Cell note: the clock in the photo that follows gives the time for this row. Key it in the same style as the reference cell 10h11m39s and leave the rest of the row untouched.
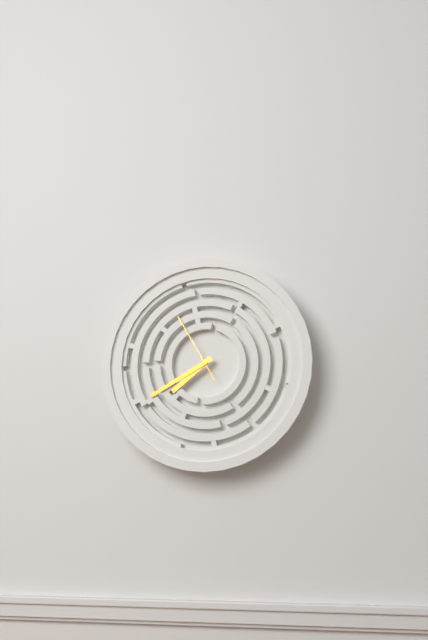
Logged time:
7h40m55s
